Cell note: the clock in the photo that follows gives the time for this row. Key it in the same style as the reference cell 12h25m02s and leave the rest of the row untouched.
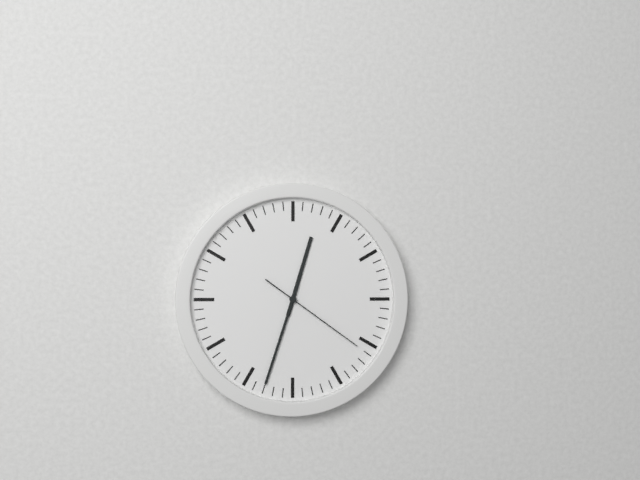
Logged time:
12h33m21s
